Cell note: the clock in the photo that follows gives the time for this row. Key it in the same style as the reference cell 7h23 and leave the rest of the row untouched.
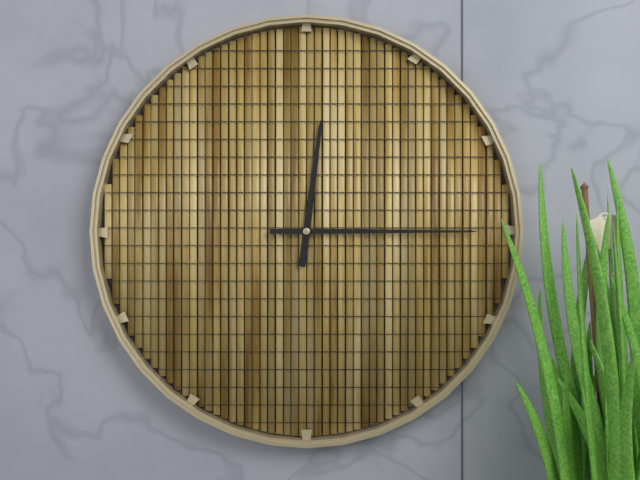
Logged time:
12h15
